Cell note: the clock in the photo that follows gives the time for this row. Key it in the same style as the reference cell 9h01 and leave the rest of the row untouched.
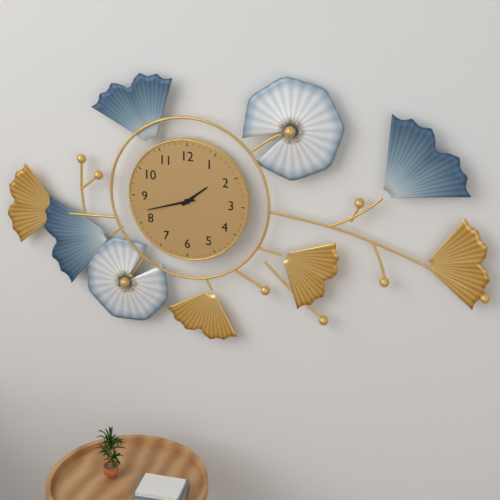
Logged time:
1h42
